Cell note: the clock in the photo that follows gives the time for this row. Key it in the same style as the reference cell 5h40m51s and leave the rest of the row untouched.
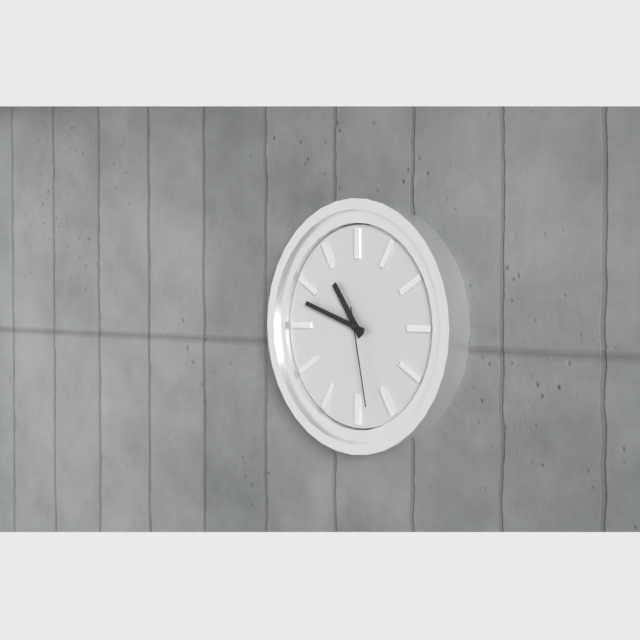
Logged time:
10h48m28s
